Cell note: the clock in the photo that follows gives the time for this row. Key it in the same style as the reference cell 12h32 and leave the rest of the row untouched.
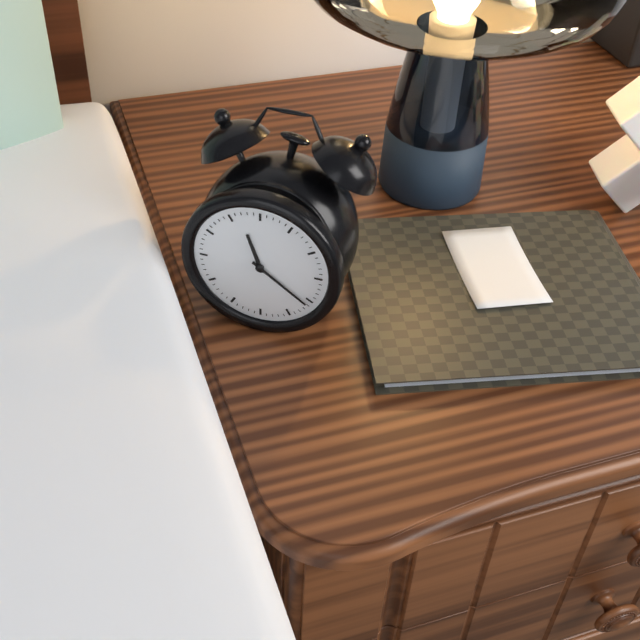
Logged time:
11h21
